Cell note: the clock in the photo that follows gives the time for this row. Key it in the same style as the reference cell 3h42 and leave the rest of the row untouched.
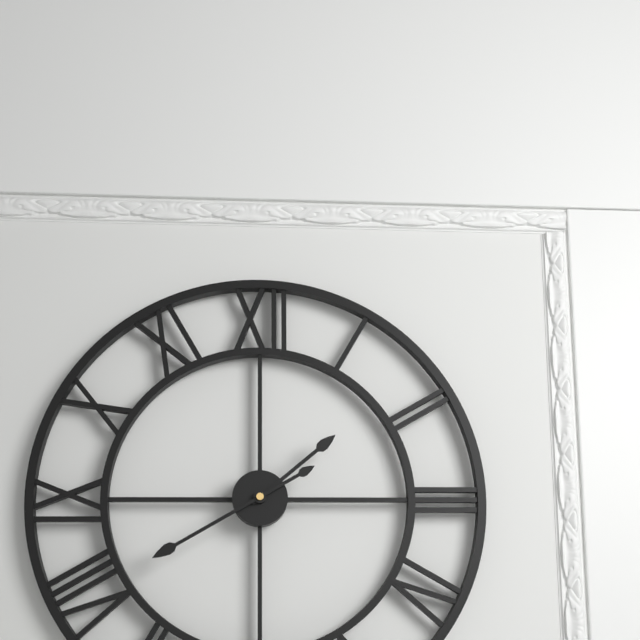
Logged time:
1h40
